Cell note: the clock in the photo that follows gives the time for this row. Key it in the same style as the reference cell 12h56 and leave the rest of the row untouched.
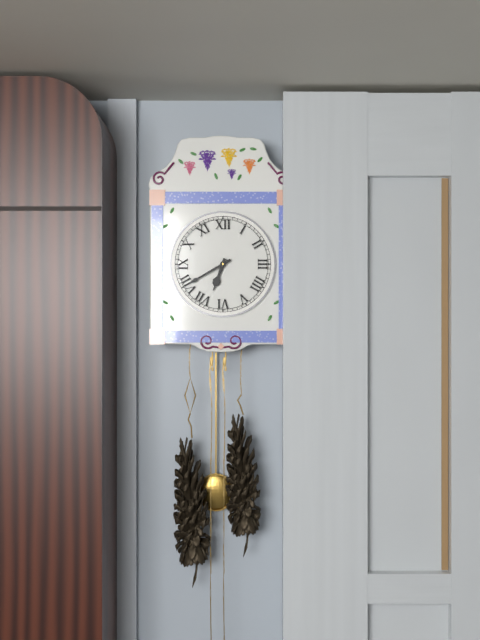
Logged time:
6h40
